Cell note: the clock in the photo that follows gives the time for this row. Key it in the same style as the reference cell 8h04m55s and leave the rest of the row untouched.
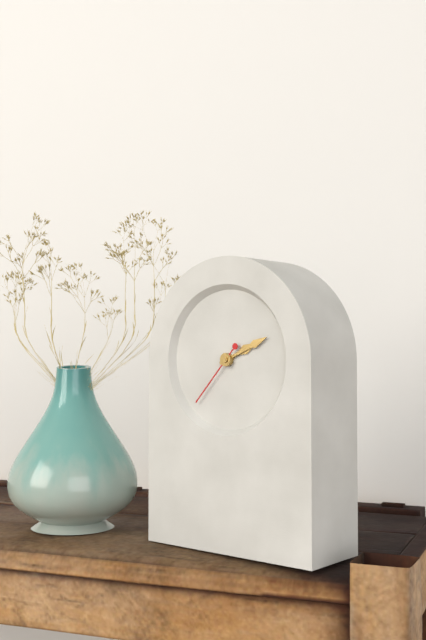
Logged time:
2h11m37s
